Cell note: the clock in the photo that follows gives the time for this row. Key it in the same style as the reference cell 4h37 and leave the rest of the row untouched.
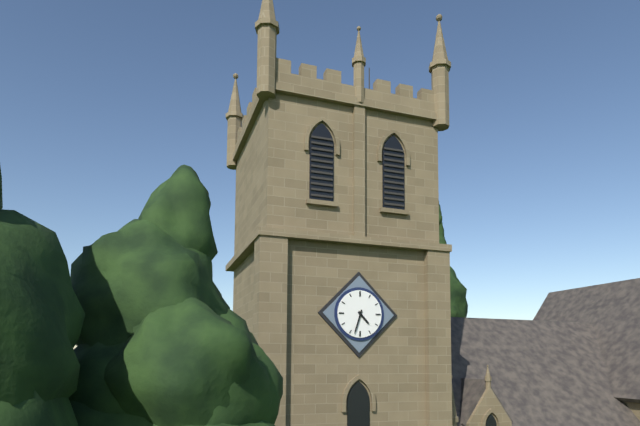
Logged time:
4h33
